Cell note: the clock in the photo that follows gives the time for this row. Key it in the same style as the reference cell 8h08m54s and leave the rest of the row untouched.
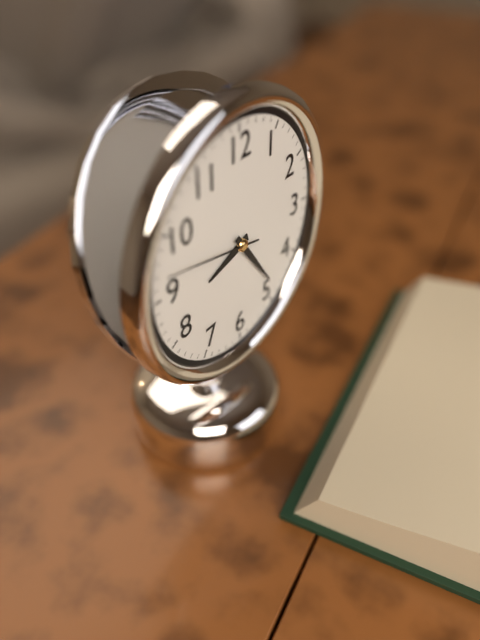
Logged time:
8h24m47s
